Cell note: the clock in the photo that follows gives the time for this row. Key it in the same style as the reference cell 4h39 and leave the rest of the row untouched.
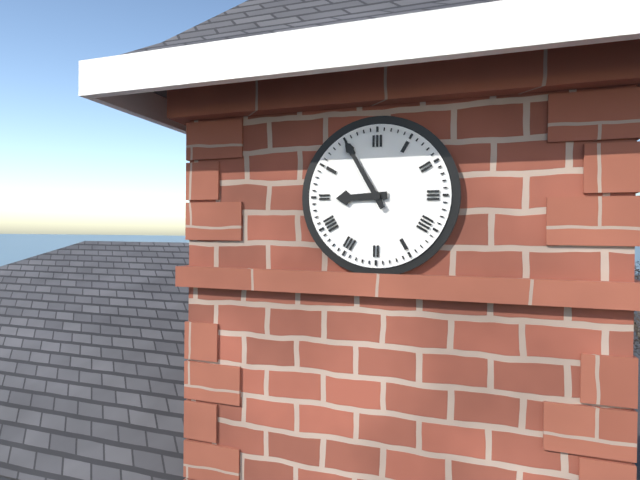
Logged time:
8h55
